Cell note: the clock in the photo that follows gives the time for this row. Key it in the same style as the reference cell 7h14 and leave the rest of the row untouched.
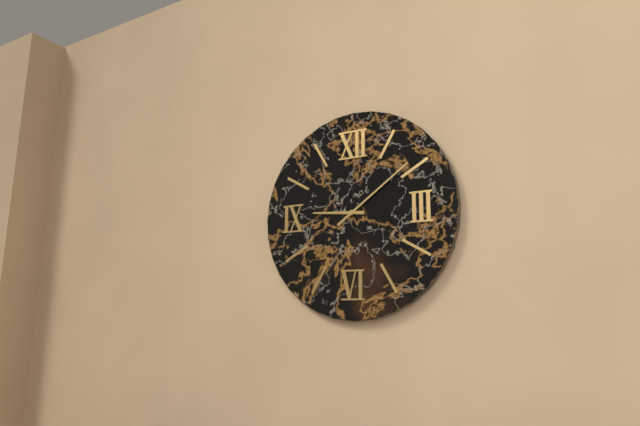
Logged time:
9h09
